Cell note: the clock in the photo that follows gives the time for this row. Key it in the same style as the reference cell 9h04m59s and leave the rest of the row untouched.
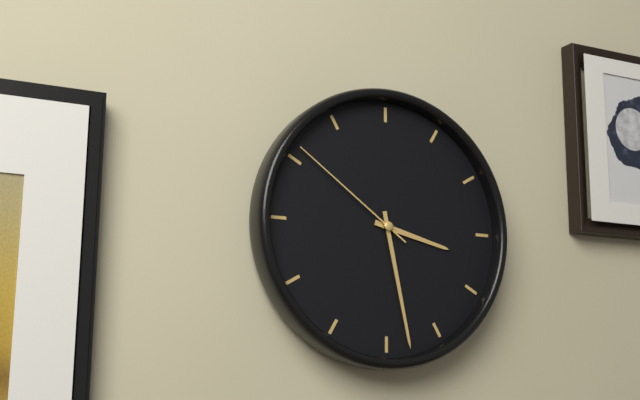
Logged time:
3h28m51s
